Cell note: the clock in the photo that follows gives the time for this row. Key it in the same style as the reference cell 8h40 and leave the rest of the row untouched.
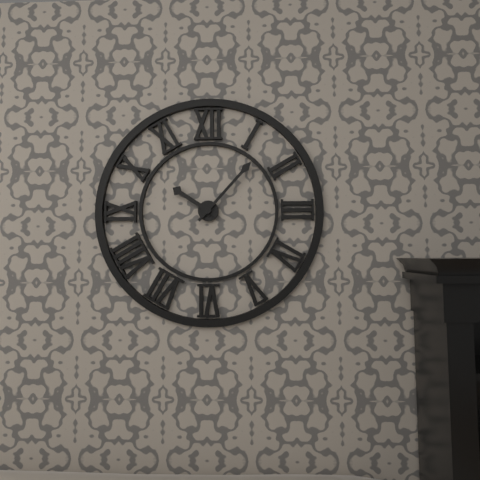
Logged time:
10h07
